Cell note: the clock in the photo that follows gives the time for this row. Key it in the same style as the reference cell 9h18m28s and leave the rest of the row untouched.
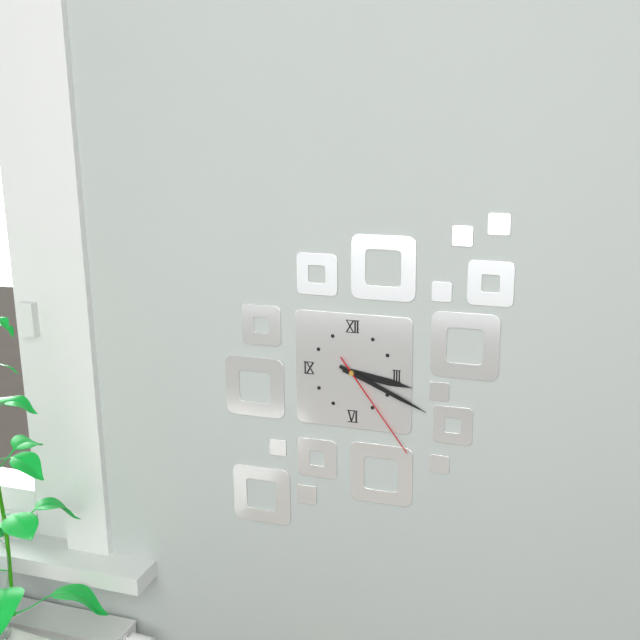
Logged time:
3h19m24s
